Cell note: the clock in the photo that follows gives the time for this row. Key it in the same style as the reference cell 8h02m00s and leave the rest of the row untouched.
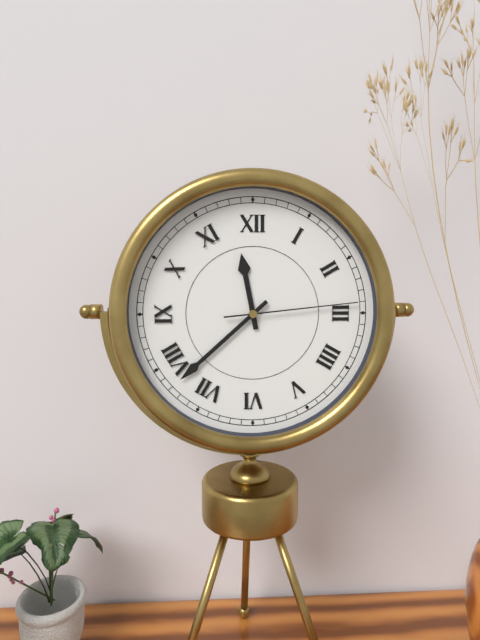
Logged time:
11h38m14s
